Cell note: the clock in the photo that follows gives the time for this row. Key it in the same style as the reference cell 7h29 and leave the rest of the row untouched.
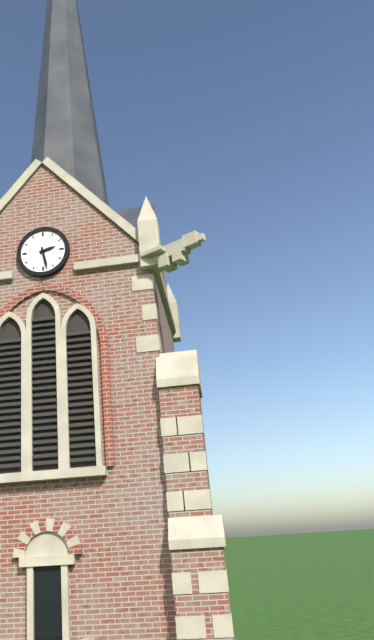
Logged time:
2h28
